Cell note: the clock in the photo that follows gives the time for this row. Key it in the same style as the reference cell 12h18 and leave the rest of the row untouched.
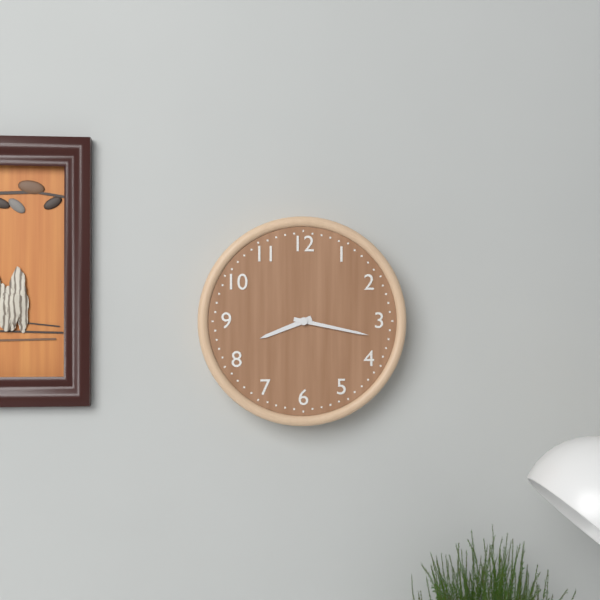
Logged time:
8h17
